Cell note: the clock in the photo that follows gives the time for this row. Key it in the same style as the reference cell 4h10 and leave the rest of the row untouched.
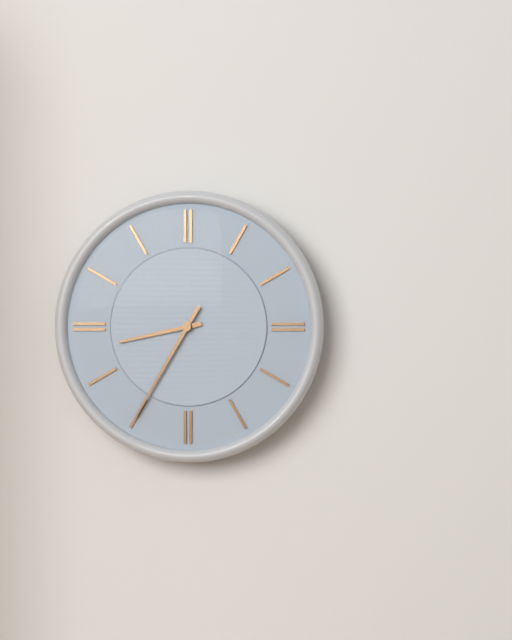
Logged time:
8h35
